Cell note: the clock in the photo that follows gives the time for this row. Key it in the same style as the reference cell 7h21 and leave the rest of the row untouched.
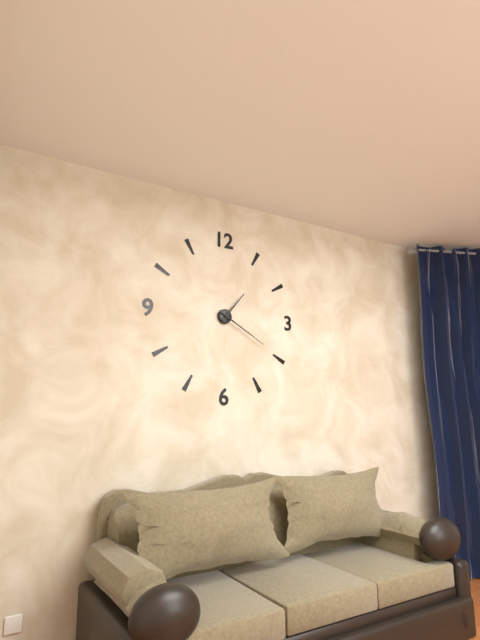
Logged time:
1h20
